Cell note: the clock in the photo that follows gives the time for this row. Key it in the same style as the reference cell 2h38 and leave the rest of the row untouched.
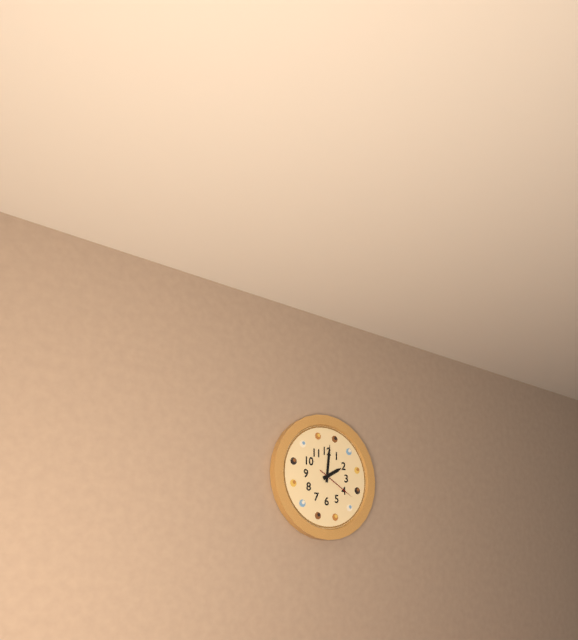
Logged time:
2h01
